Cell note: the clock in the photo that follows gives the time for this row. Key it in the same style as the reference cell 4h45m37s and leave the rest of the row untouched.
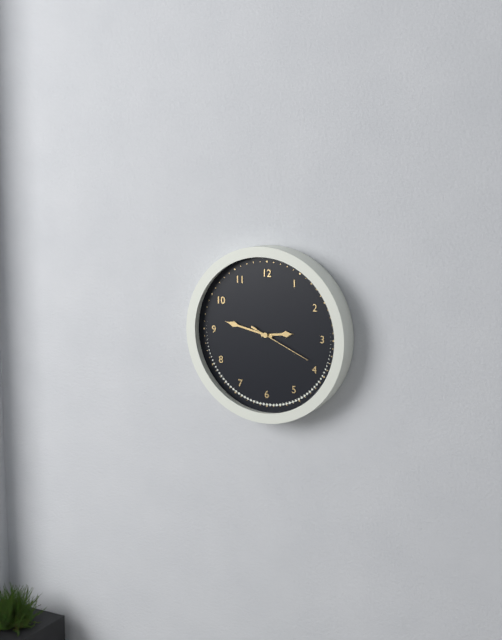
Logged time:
2h47m19s
